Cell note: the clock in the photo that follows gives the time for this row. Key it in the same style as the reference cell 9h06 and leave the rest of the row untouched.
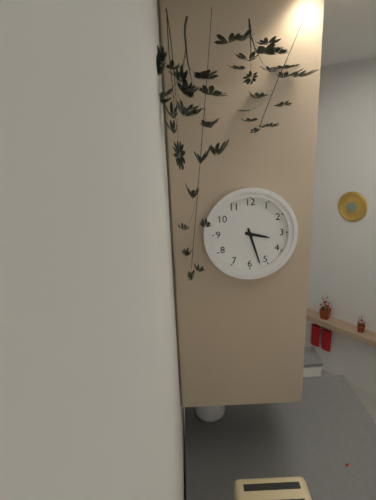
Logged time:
3h27
